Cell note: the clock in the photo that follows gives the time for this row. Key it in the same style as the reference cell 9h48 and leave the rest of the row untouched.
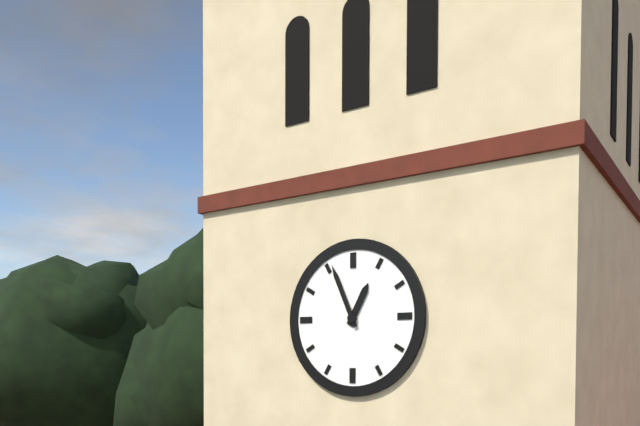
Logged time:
12h56
